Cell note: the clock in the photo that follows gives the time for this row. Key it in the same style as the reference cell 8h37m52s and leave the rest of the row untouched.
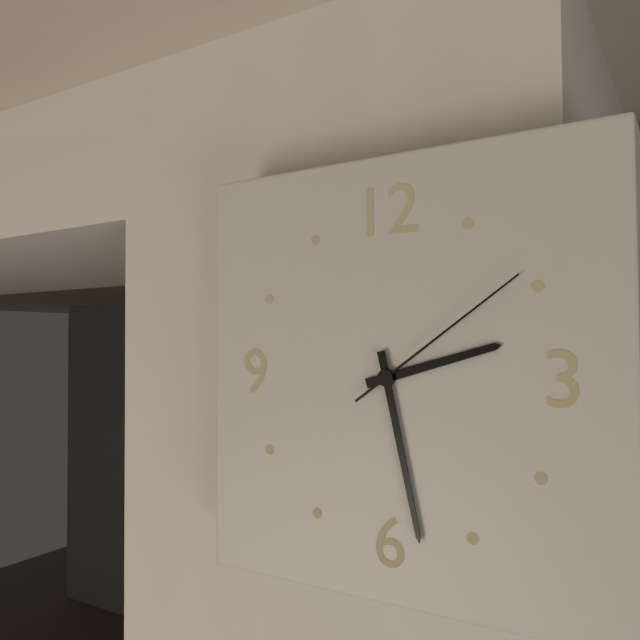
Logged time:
2h28m09s
